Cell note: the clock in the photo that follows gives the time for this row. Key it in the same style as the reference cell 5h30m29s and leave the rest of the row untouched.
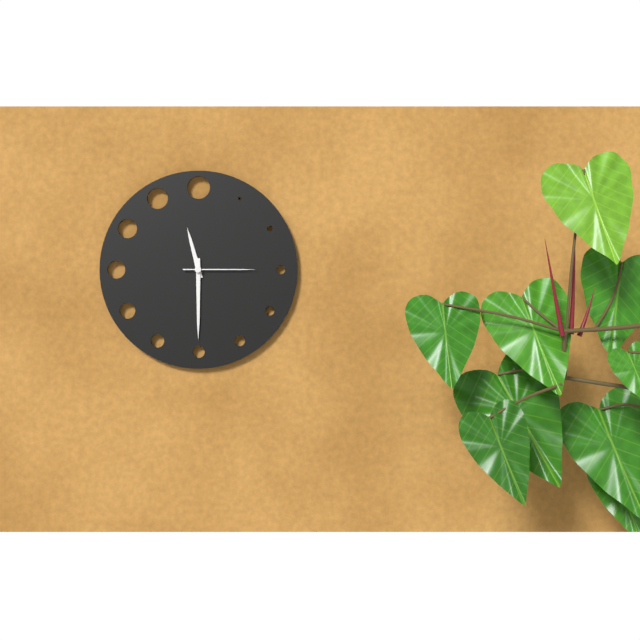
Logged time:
11h30m15s
